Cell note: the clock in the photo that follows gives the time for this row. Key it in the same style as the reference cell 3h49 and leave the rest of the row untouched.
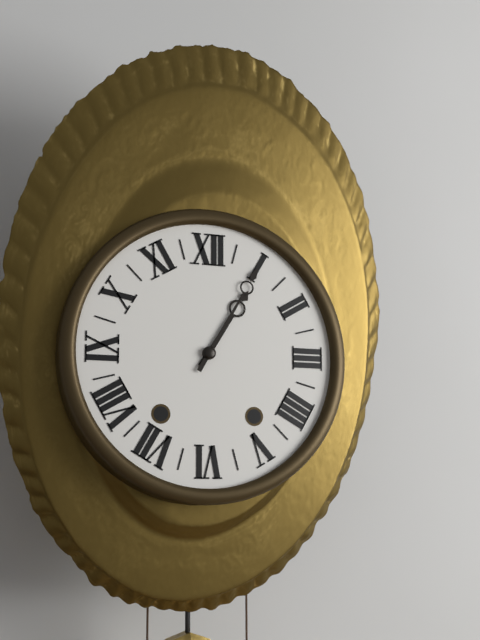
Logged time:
1h05
